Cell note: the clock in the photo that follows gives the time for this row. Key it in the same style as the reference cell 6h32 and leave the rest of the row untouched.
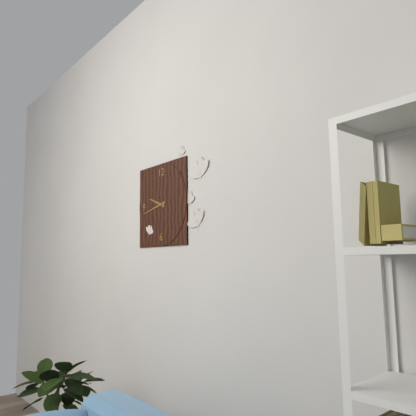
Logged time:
9h43
